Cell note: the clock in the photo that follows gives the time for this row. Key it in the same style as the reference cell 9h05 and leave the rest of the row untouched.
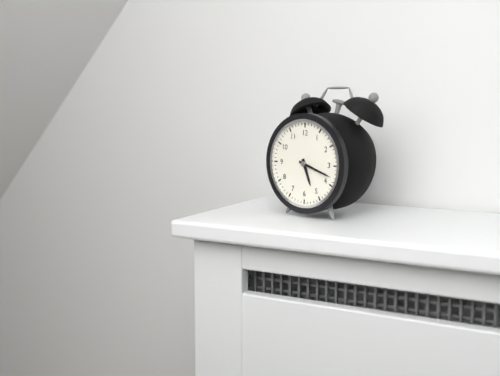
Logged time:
5h18
